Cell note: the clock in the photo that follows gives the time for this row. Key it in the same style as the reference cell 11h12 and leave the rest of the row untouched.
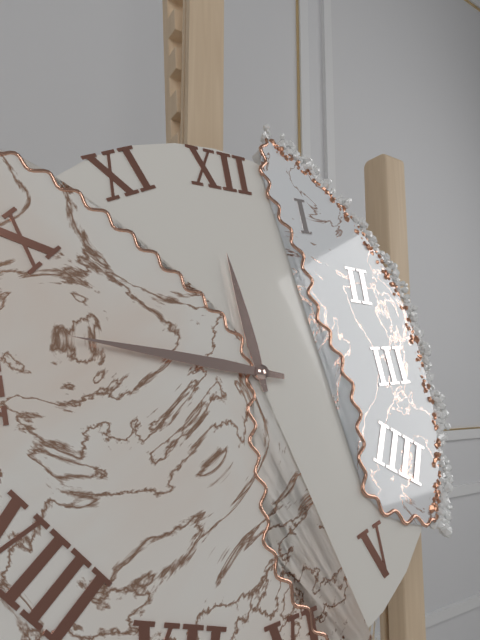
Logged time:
11h47
